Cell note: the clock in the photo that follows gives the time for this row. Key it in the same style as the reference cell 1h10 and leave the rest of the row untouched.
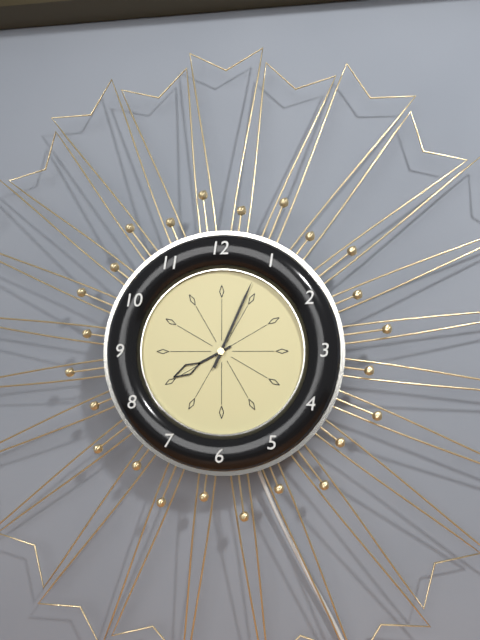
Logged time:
8h04
